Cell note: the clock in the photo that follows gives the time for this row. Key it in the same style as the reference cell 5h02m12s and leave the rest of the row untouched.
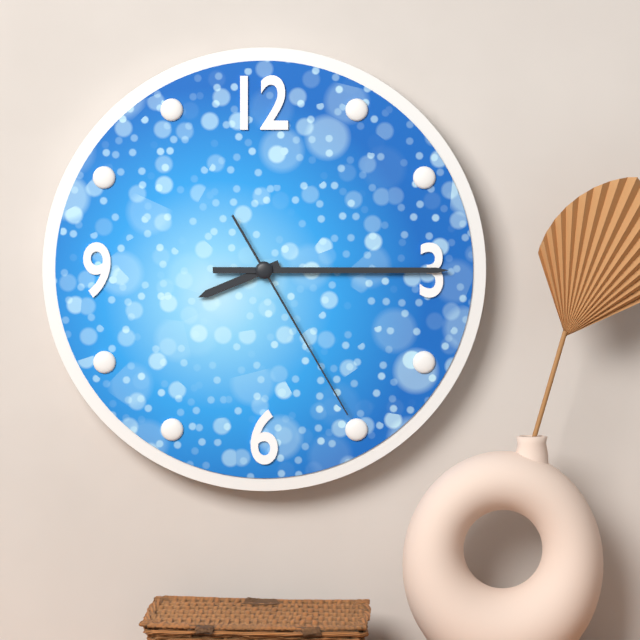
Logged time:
8h15m25s
